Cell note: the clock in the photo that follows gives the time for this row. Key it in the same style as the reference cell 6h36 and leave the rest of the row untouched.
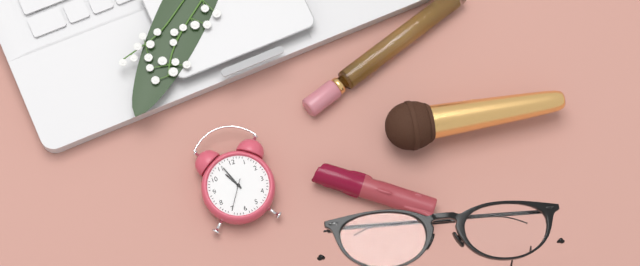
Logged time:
10h56
